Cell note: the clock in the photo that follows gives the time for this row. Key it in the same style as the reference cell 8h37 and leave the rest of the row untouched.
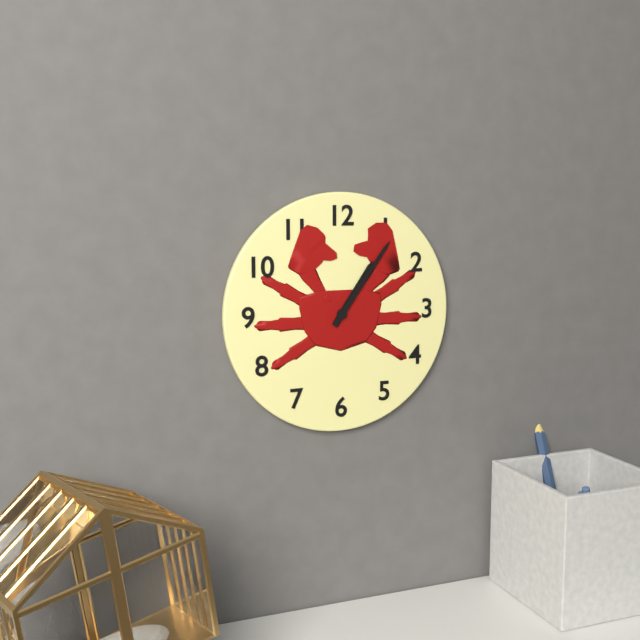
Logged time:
1h06
